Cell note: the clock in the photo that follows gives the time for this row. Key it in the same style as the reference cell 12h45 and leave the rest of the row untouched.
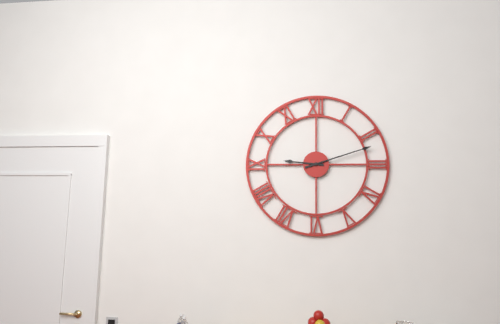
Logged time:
9h12
